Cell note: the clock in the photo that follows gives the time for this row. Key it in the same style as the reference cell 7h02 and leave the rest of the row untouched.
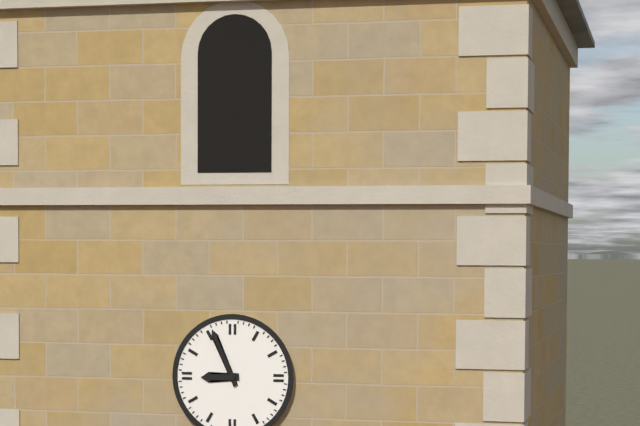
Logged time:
8h56
